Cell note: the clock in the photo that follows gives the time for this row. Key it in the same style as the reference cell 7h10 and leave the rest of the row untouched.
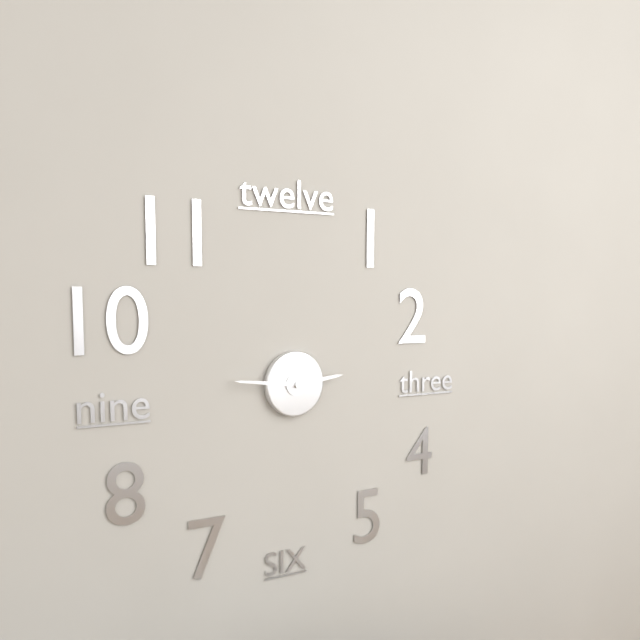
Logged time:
2h46
